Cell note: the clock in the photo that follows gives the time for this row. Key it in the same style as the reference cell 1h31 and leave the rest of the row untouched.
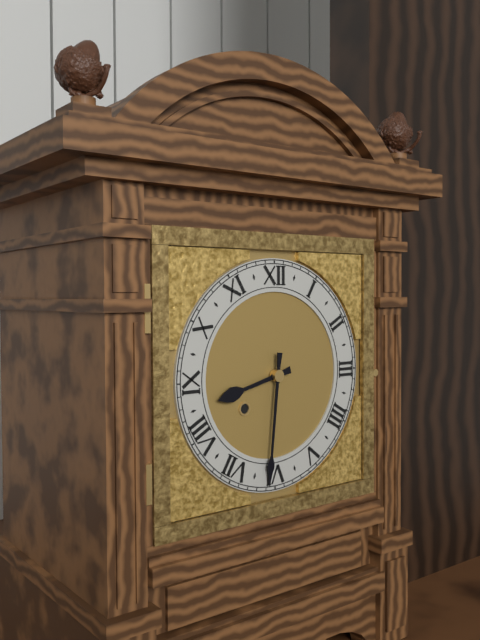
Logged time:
8h31
